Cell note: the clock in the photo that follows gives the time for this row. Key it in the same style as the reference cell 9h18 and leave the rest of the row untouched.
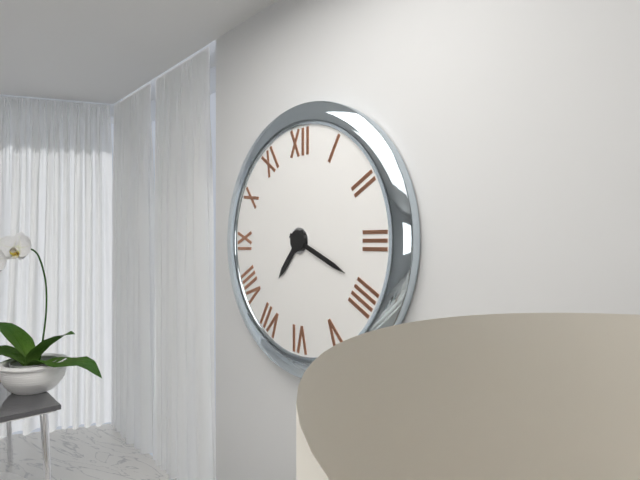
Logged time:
7h19
